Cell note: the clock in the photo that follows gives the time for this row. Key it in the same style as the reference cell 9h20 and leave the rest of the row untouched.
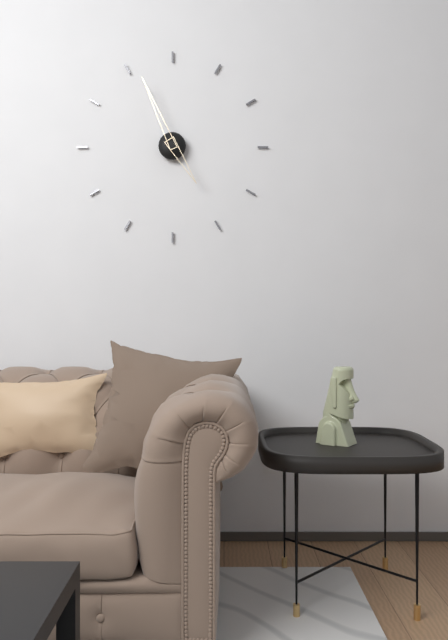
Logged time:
4h56
